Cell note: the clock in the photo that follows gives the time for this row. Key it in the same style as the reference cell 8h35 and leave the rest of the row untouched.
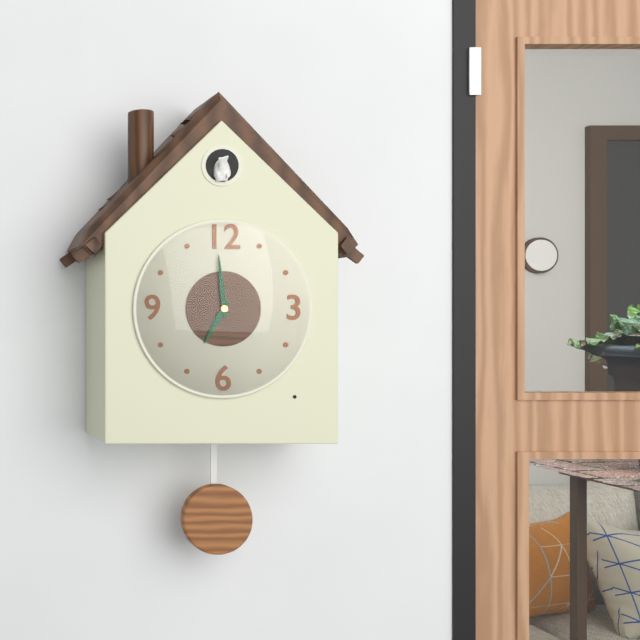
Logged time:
6h59
